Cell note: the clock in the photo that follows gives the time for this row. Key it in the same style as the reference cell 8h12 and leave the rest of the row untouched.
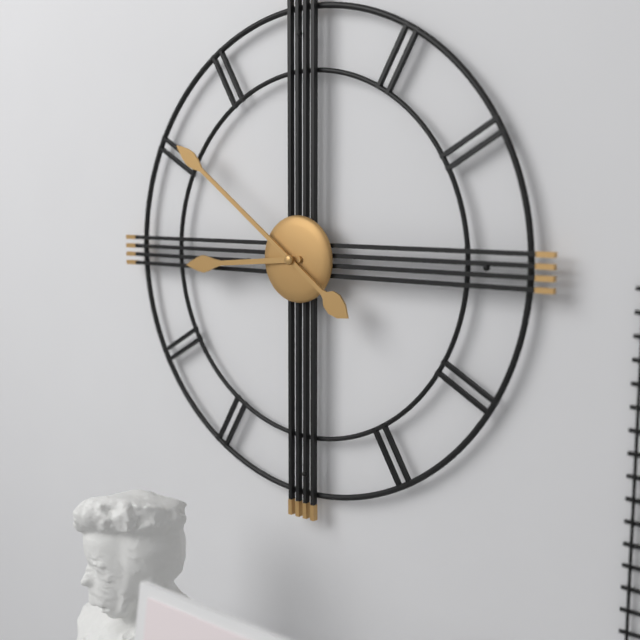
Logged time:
8h51
